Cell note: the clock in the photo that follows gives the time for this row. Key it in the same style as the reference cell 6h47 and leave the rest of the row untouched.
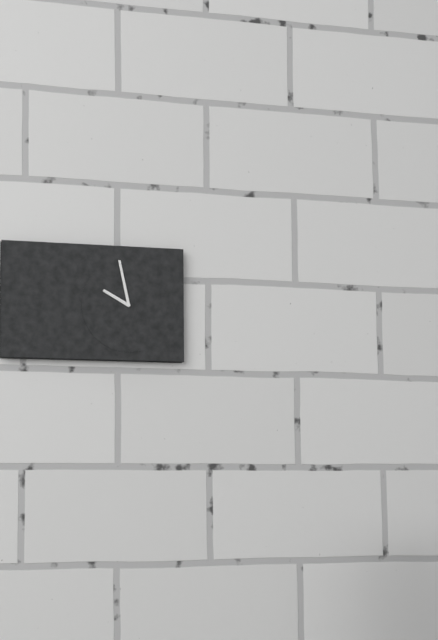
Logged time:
9h58
